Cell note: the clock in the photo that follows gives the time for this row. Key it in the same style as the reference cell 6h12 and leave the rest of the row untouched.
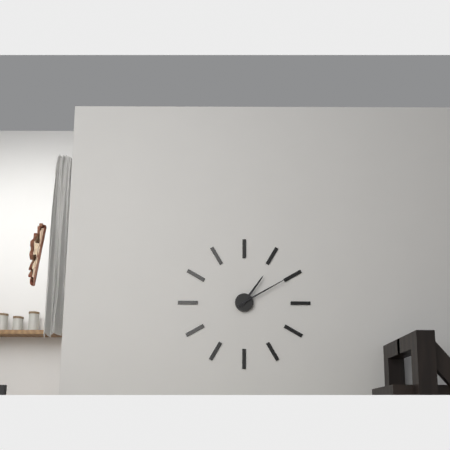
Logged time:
1h10
